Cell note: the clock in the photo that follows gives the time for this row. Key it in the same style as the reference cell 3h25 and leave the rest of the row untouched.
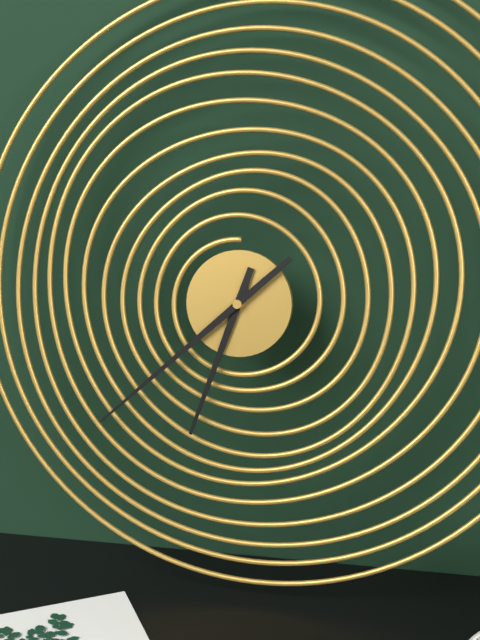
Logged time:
6h38
